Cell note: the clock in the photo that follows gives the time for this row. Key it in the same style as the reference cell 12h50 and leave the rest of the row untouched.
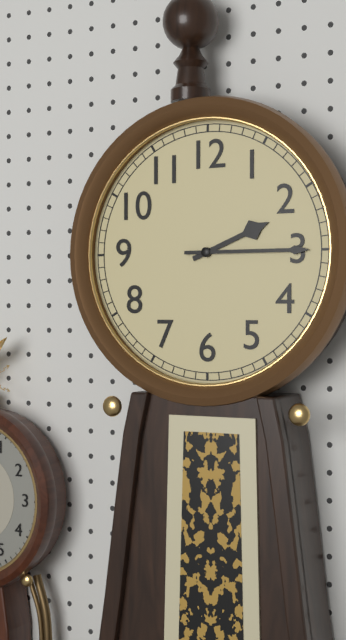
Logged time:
2h15
